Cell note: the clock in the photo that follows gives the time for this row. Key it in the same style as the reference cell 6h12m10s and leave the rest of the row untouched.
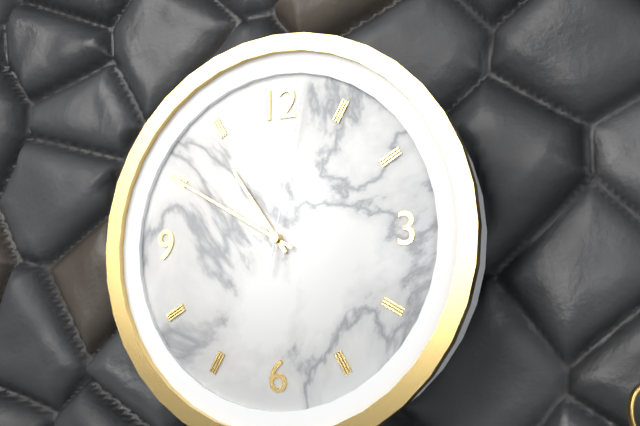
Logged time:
10h50m02s
